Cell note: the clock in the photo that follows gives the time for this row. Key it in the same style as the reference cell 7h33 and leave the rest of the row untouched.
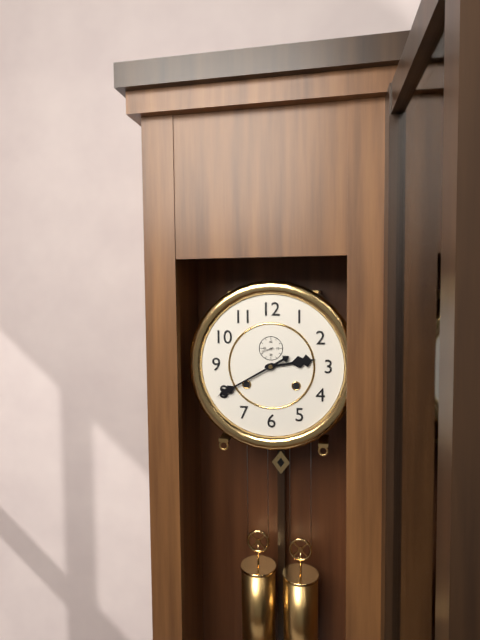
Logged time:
2h40
